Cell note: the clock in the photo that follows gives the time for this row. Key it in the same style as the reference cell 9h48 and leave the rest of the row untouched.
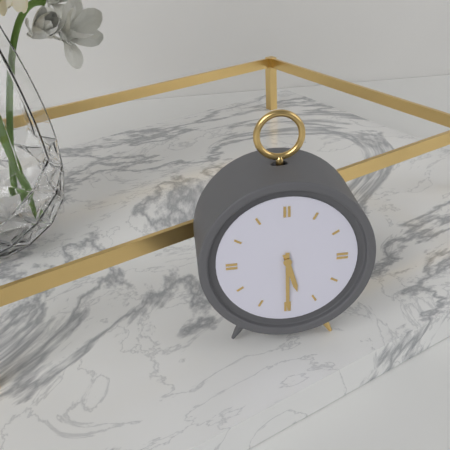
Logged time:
5h30
